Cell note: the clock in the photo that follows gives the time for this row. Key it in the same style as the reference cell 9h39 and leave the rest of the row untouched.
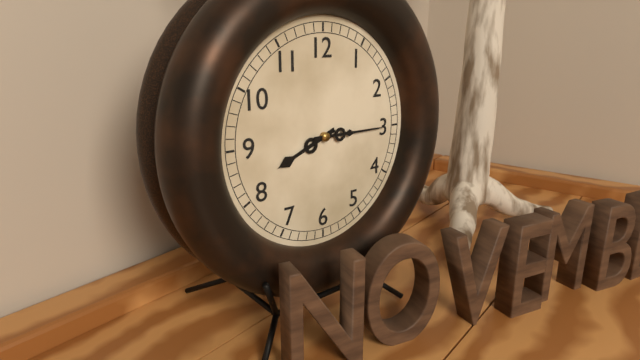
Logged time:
8h15
